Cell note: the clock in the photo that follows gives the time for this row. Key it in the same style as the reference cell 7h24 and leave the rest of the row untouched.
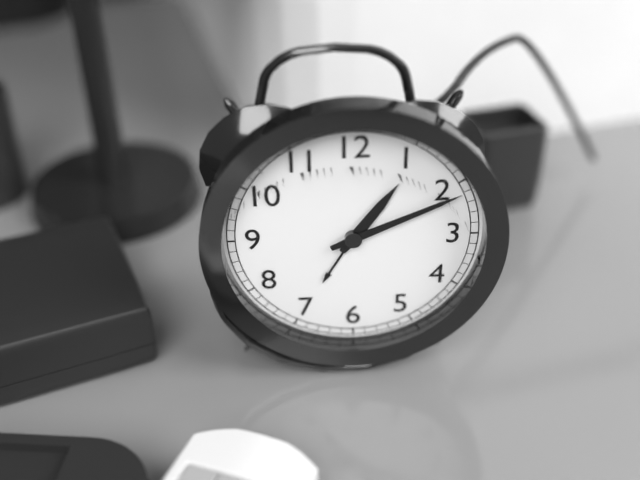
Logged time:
1h11
